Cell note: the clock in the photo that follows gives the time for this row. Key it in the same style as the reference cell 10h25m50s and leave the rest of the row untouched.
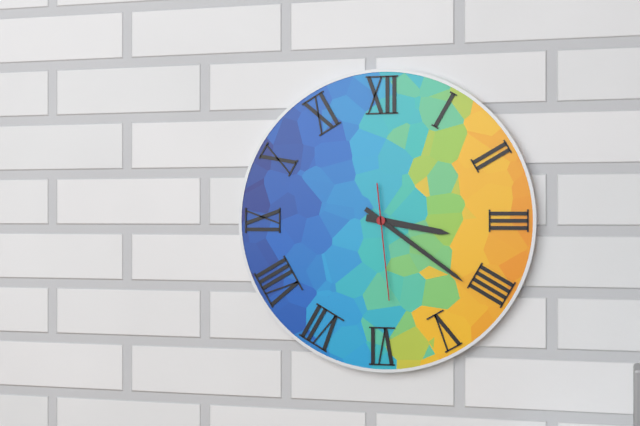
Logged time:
3h21m29s
